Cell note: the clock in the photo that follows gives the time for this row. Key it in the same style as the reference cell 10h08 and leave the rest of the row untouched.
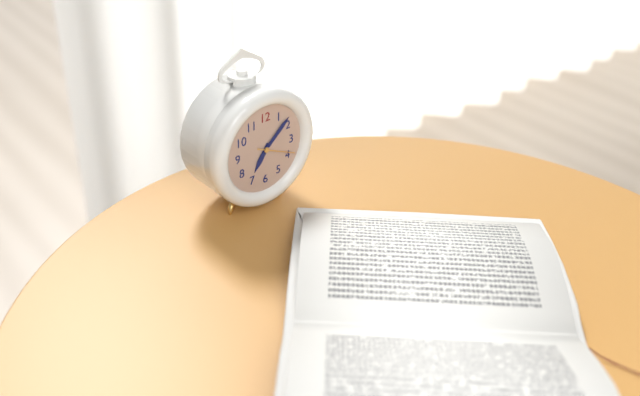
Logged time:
7h08
